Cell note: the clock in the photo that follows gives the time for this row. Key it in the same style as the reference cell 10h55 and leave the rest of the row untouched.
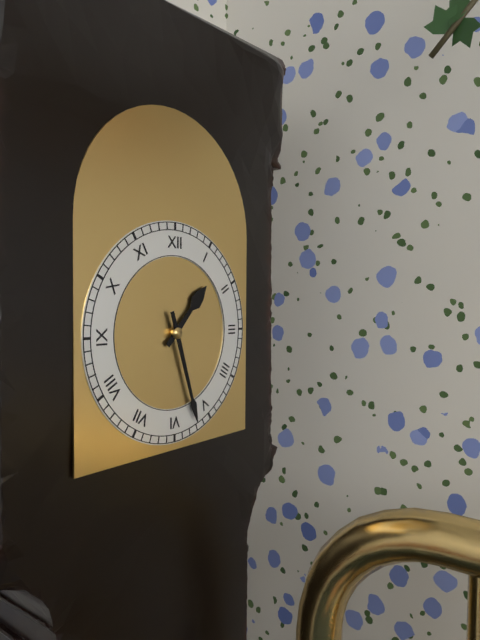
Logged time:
1h27
